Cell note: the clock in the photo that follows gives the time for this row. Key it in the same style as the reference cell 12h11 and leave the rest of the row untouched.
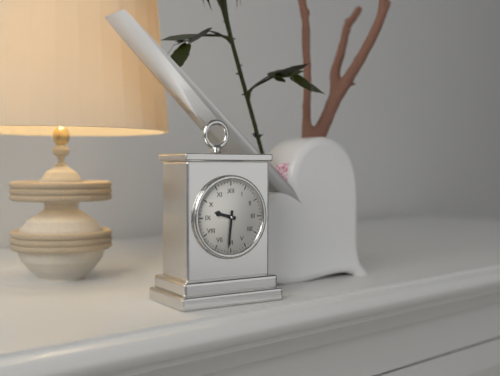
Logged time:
9h31
